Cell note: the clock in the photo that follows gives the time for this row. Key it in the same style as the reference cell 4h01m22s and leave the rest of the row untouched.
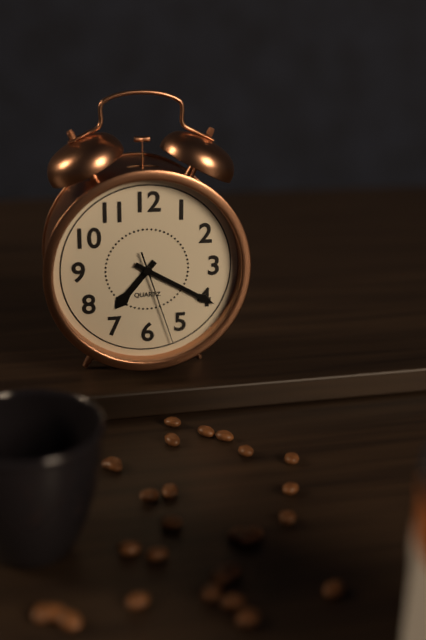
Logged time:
7h20m27s
